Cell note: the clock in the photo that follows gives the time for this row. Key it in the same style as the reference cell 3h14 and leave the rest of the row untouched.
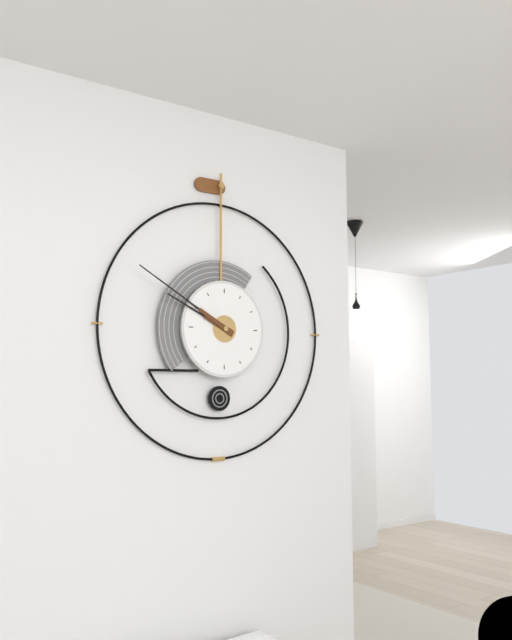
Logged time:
9h50
